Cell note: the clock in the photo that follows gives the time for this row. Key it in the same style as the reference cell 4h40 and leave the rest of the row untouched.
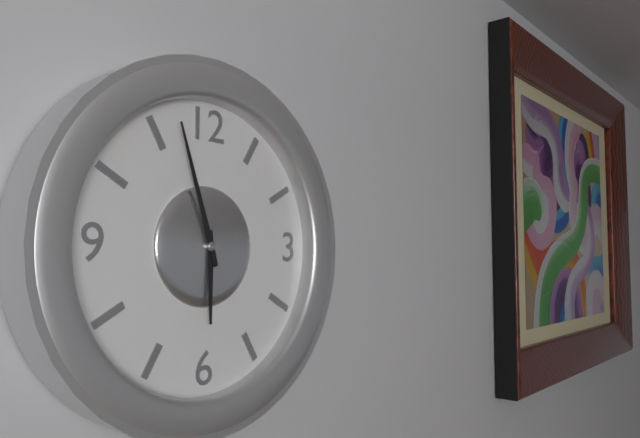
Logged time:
5h57
